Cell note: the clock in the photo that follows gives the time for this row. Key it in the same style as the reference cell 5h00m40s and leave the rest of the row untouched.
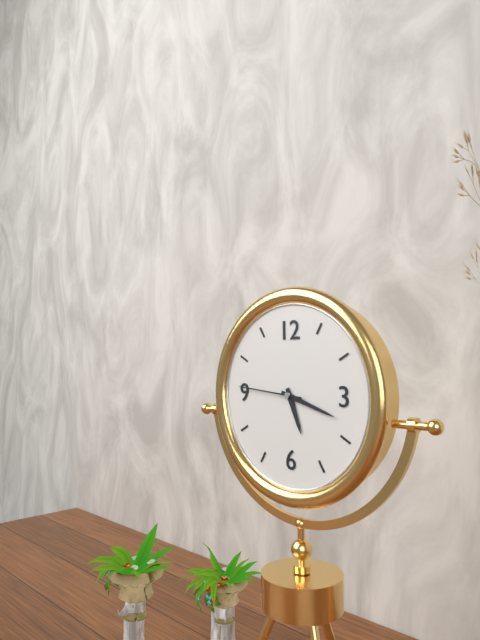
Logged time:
5h18m46s
